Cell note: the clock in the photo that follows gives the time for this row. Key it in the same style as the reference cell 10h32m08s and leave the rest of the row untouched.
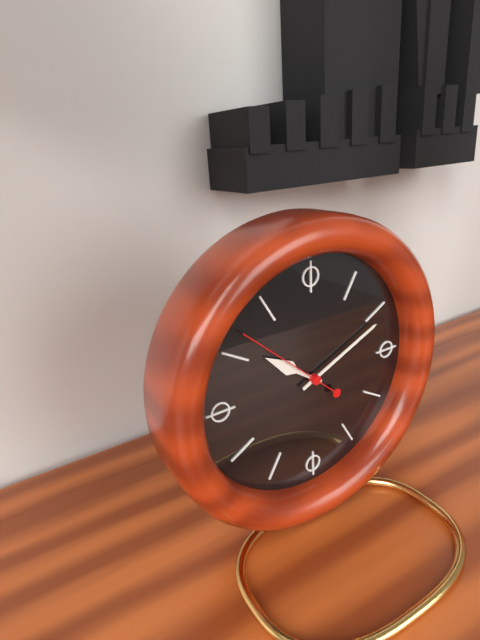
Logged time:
10h11m52s
